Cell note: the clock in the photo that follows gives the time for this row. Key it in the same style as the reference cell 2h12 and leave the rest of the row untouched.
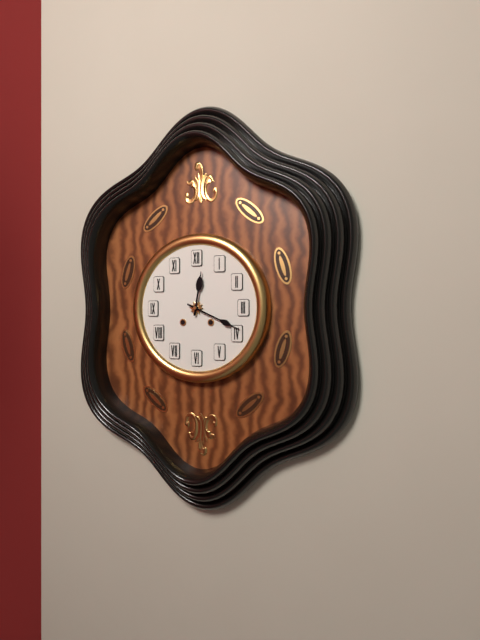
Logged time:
12h19
